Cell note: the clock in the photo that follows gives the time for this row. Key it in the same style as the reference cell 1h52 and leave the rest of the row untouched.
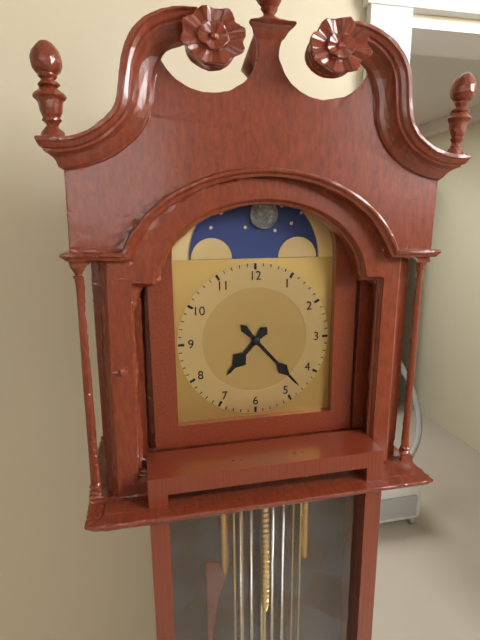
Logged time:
7h23
